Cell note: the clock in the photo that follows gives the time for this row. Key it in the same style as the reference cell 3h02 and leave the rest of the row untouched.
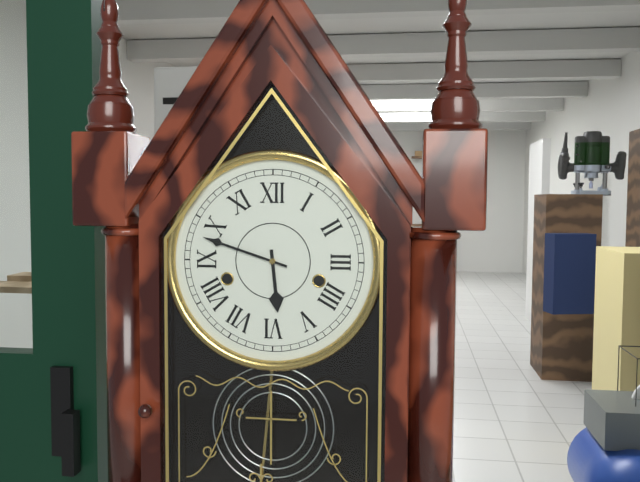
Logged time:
5h48
